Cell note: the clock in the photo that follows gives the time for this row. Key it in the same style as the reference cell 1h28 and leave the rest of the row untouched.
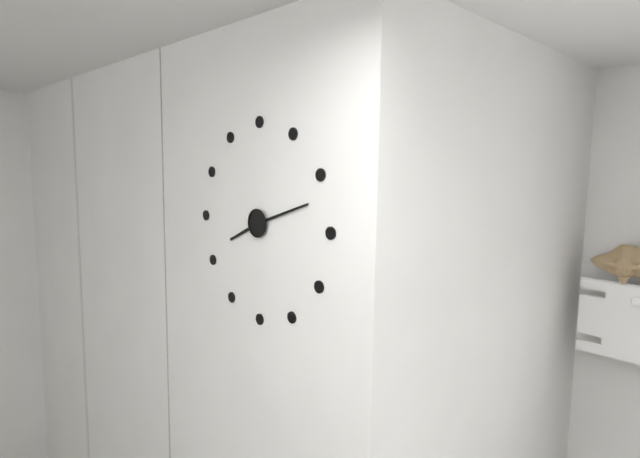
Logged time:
8h12
